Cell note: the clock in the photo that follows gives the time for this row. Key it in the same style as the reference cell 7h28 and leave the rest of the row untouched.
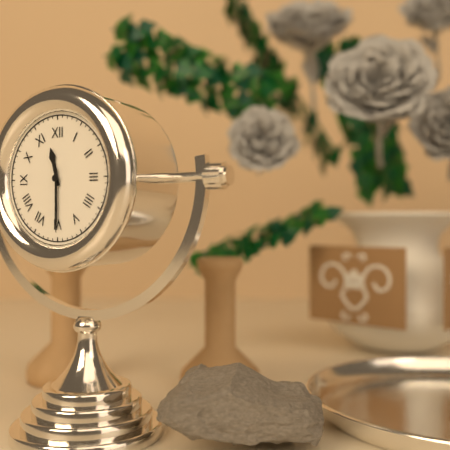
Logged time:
11h30
